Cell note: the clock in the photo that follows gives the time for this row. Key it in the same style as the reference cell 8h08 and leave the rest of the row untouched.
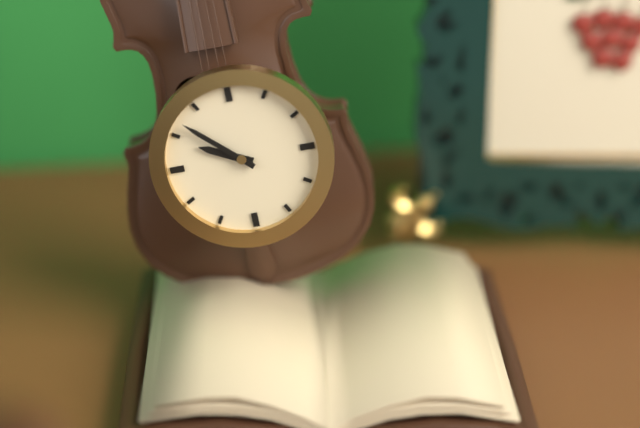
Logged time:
9h52
